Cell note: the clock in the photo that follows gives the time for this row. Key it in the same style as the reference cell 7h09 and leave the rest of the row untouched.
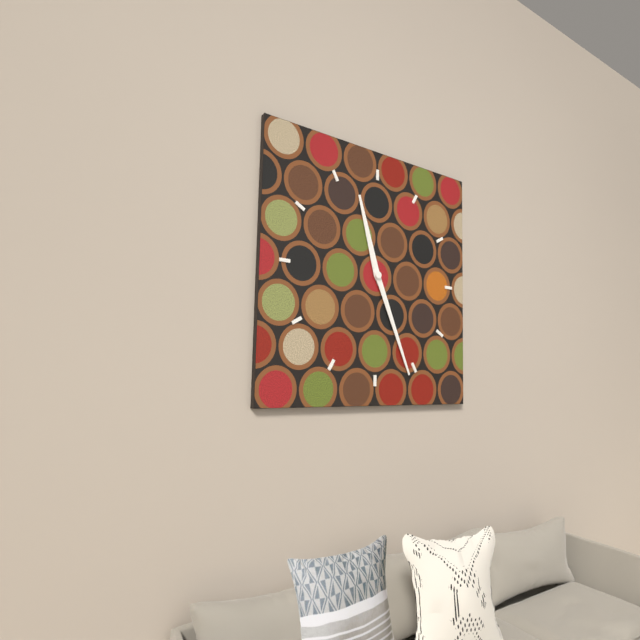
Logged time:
11h26
